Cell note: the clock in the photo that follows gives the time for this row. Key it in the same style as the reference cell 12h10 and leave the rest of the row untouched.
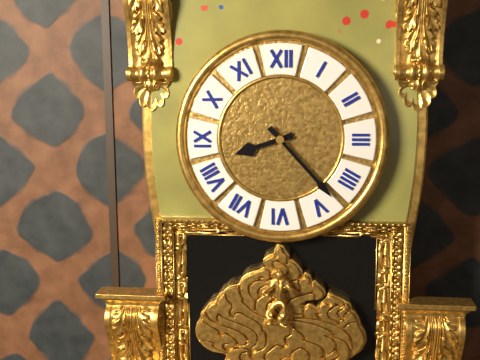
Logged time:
8h23
